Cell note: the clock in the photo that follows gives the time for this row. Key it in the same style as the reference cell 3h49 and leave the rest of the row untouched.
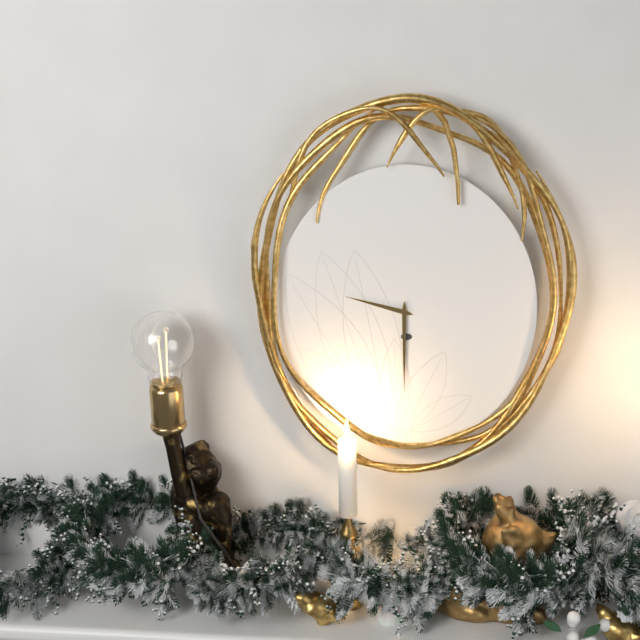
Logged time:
9h30
